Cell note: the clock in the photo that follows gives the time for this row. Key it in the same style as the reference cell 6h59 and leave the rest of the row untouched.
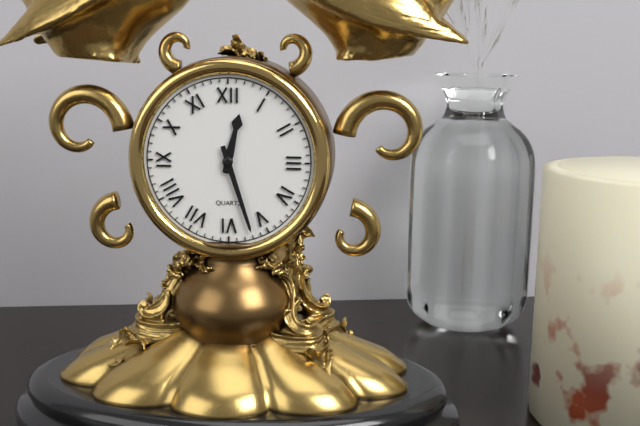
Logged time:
12h27
